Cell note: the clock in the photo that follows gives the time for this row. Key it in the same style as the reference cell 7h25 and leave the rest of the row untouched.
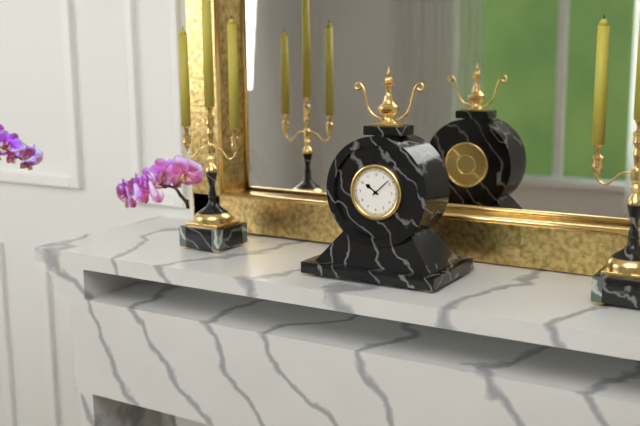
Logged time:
10h08
